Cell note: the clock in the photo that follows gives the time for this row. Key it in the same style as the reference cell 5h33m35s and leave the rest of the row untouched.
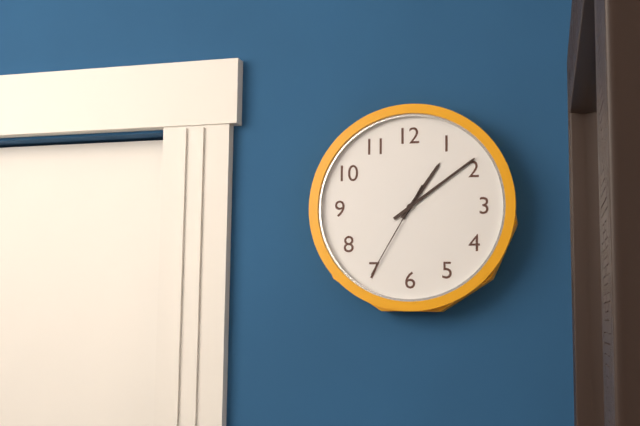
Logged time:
1h09m35s
